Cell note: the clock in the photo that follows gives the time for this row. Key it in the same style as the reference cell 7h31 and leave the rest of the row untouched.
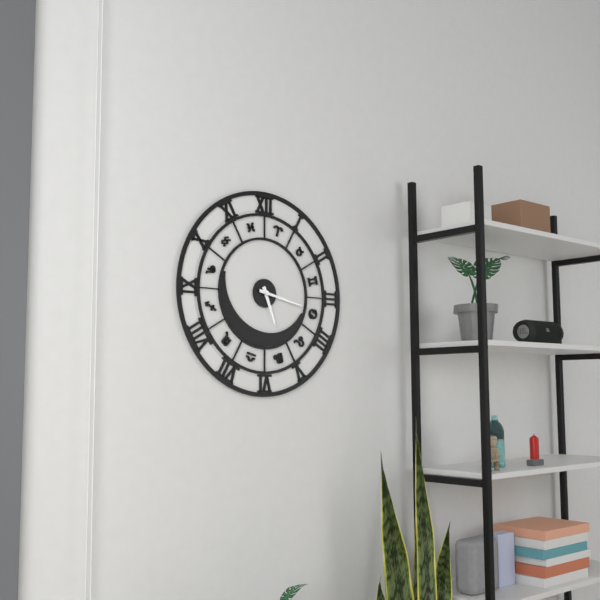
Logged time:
5h17
